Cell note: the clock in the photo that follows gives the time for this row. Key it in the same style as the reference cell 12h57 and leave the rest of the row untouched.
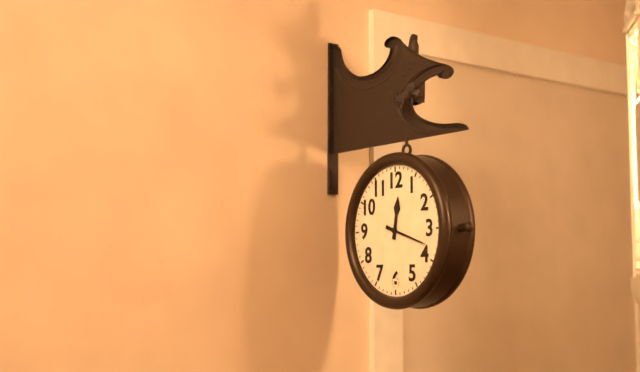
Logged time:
12h18
